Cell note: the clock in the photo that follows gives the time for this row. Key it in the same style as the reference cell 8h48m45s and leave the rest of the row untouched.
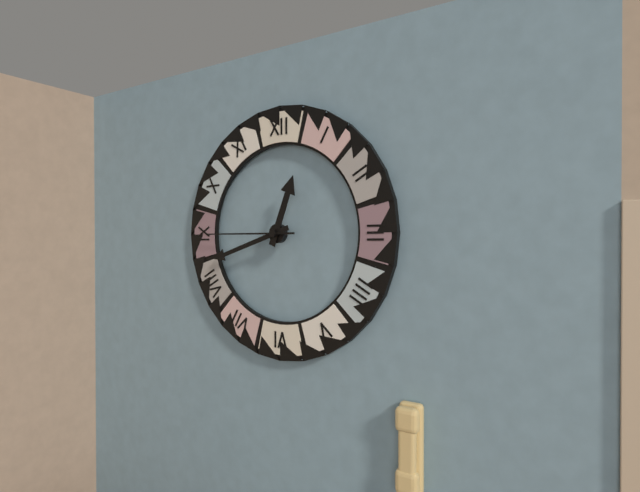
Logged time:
12h42m45s
